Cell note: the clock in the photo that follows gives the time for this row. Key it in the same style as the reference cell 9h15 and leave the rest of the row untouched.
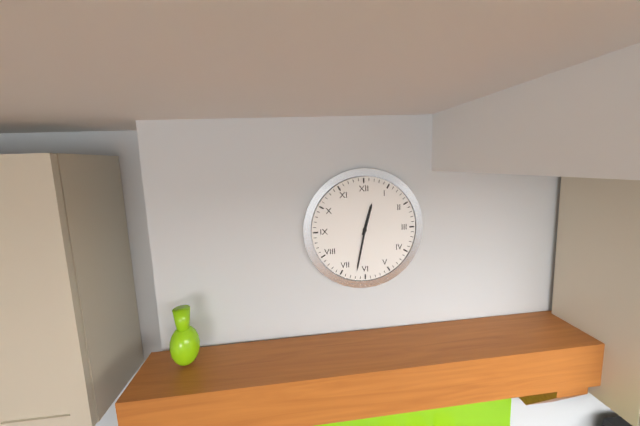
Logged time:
12h32
